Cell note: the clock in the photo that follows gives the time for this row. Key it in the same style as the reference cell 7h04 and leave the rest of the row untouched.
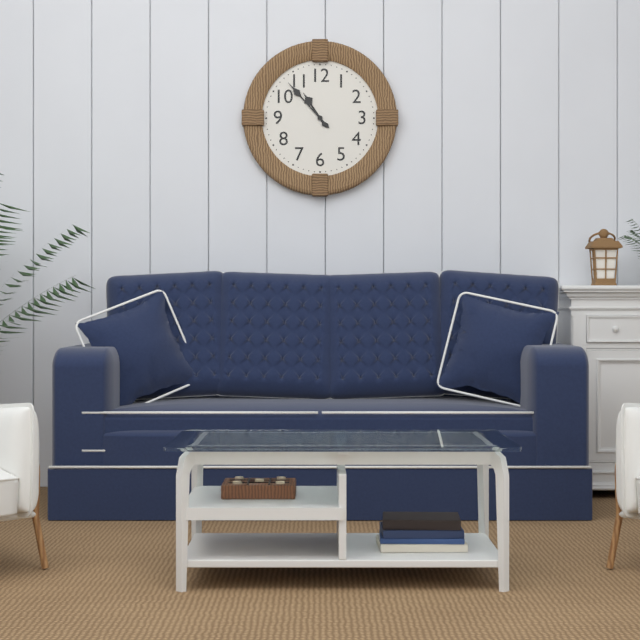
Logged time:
10h53
